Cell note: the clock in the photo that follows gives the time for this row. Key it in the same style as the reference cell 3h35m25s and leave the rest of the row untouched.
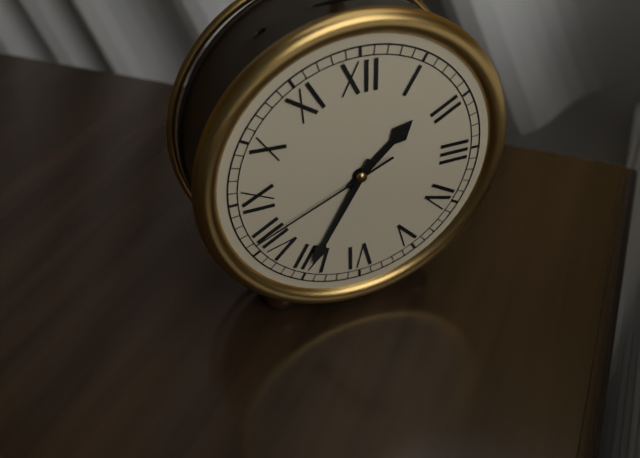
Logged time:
1h35m41s
